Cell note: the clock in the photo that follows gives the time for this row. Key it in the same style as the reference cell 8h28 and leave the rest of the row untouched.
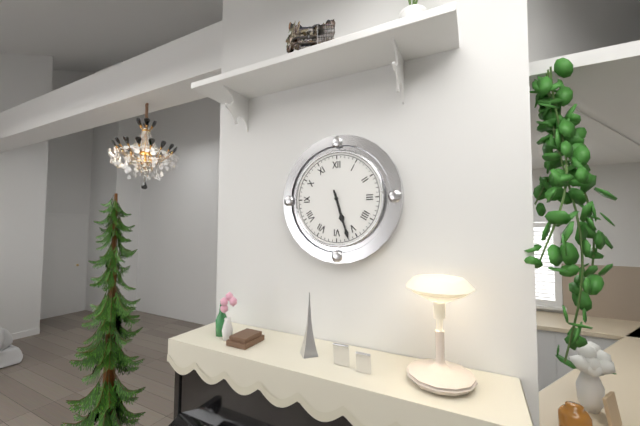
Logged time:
5h27
